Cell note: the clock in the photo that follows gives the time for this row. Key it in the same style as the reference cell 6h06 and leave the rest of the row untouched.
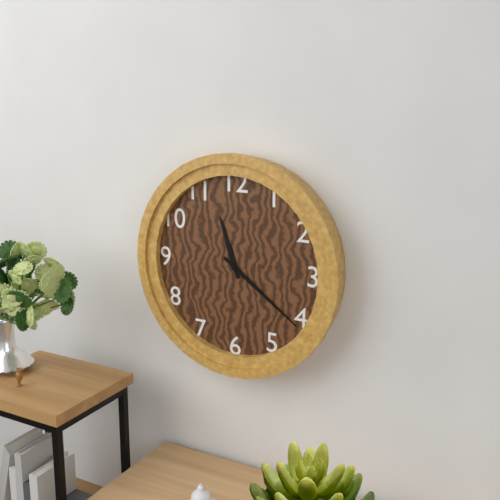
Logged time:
11h21
